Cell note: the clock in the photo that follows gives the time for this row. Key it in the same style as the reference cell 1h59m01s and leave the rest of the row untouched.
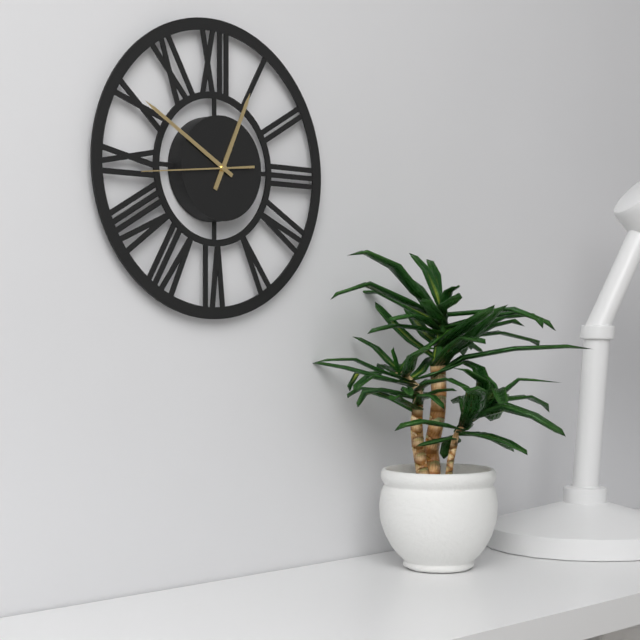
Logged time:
12h50m44s
